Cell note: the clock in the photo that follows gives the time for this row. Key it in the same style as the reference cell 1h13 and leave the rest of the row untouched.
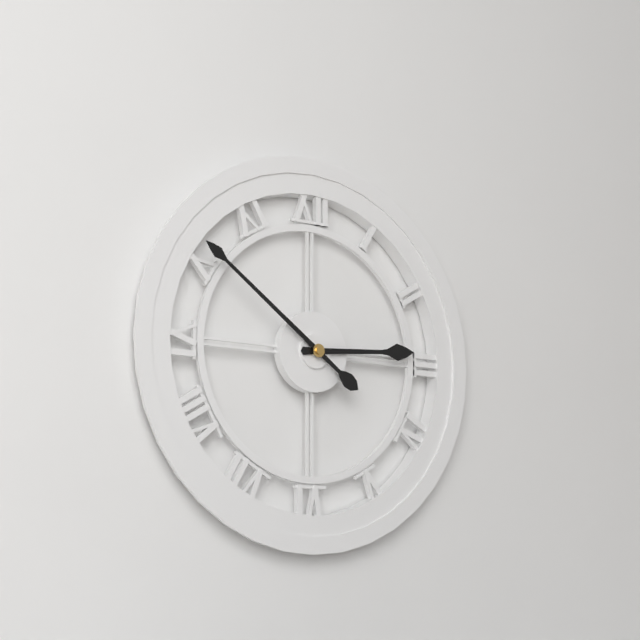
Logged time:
2h51
